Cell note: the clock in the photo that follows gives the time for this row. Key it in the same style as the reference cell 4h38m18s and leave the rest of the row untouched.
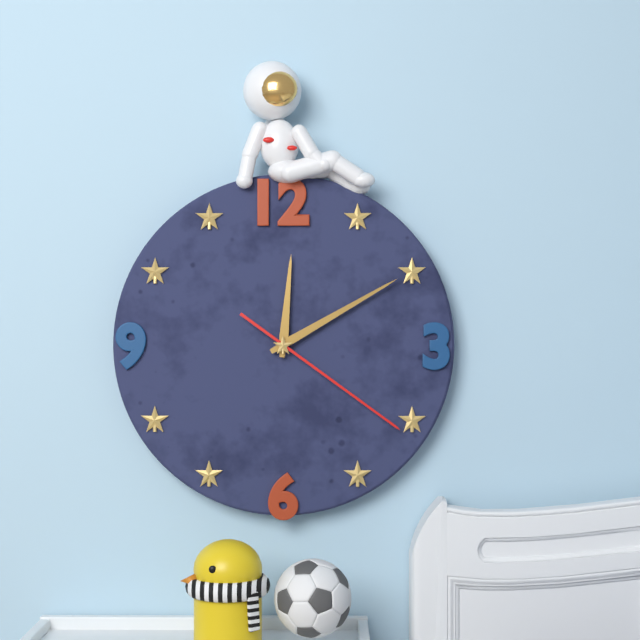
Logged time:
12h10m21s
